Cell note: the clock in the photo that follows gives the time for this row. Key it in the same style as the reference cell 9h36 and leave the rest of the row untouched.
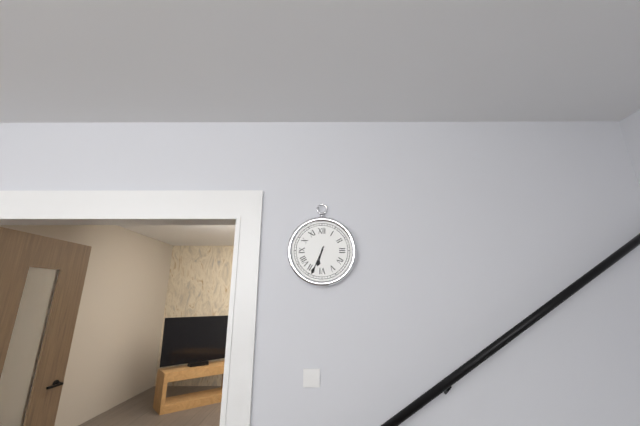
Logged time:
6h34
